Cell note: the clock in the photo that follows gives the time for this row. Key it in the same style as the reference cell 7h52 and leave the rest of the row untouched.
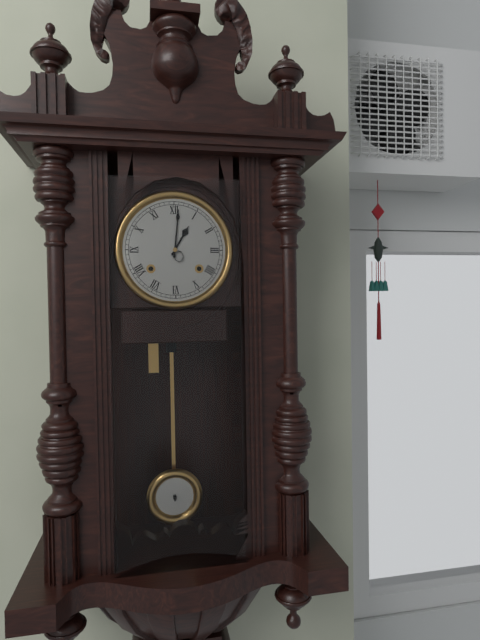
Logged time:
1h01
